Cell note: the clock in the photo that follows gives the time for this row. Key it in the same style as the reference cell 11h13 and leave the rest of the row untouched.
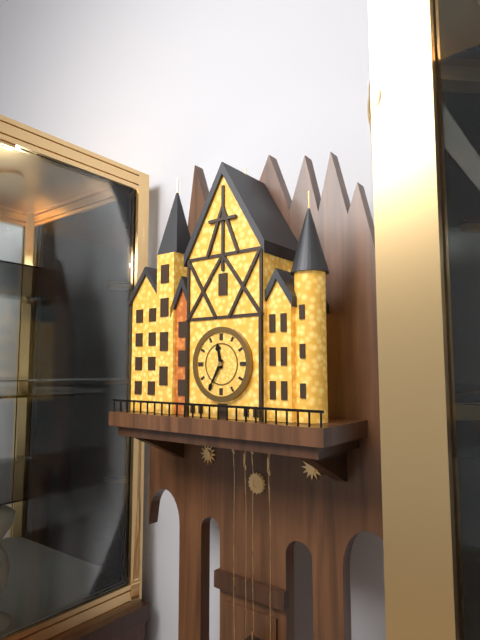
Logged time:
11h35
